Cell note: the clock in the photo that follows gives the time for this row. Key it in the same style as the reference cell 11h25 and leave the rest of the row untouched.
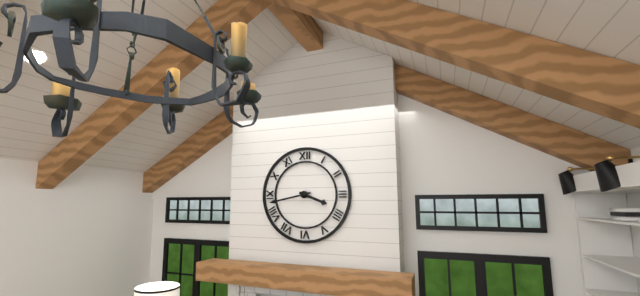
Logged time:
3h43
